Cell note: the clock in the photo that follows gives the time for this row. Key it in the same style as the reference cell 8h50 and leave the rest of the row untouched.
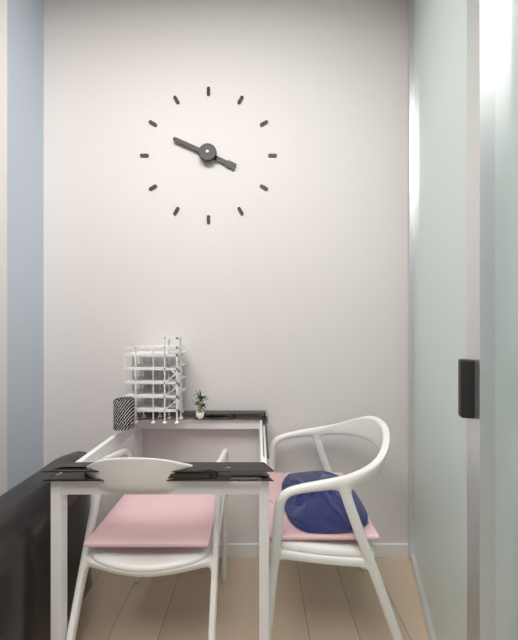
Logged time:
3h49
